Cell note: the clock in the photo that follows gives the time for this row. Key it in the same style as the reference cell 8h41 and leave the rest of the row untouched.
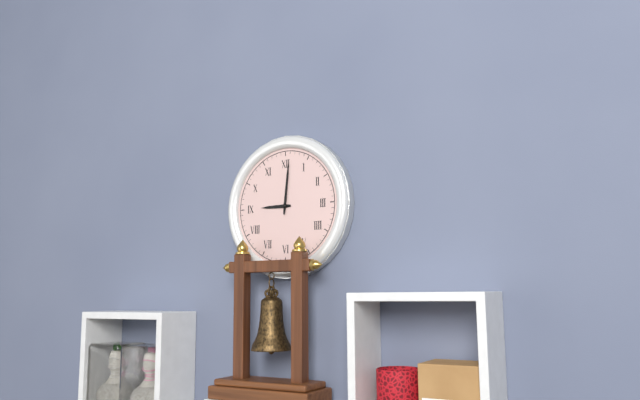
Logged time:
9h01
